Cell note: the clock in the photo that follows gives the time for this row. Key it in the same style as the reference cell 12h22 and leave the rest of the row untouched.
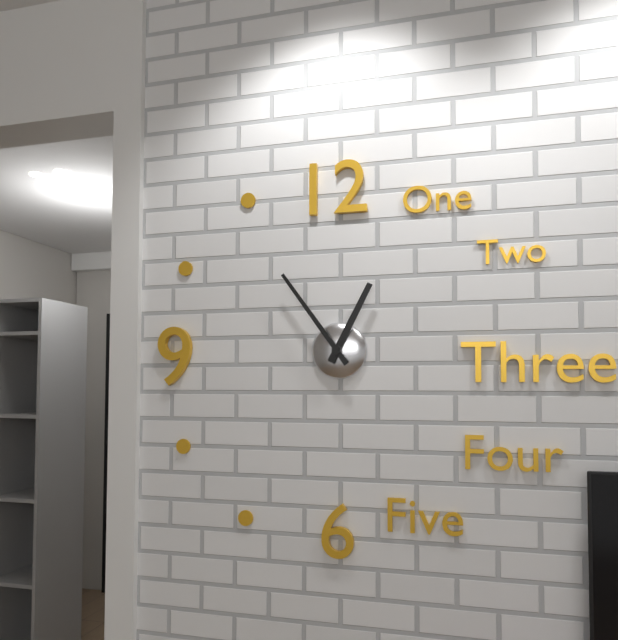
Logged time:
12h54
